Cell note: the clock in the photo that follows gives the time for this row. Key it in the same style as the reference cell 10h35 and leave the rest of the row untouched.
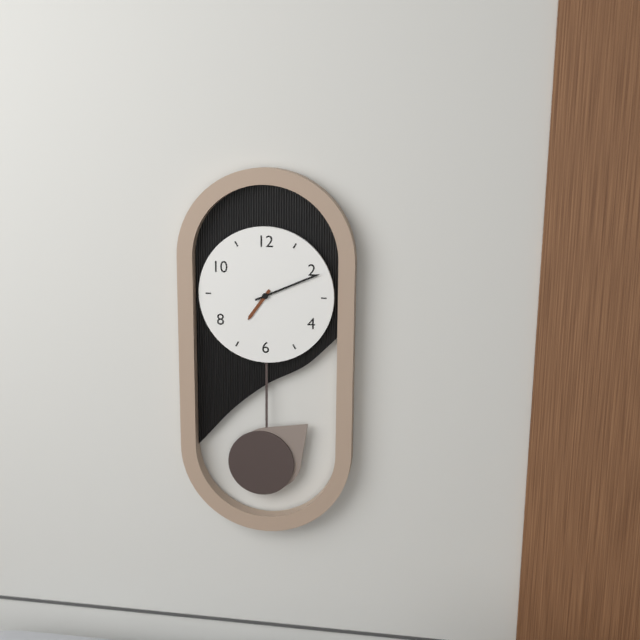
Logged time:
7h11
